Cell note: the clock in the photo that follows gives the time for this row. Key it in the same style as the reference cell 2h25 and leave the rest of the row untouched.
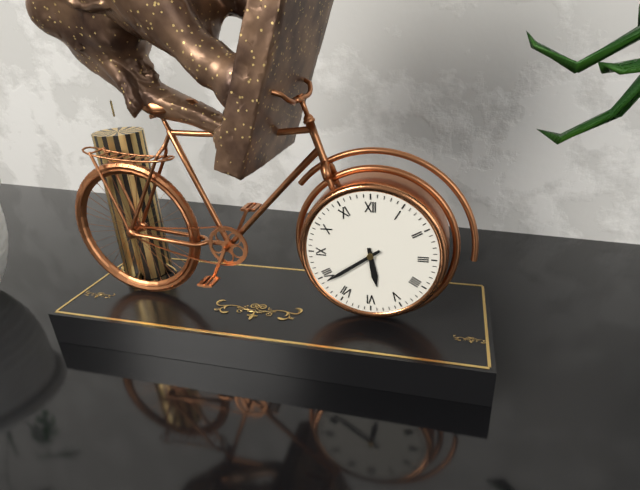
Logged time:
5h39
